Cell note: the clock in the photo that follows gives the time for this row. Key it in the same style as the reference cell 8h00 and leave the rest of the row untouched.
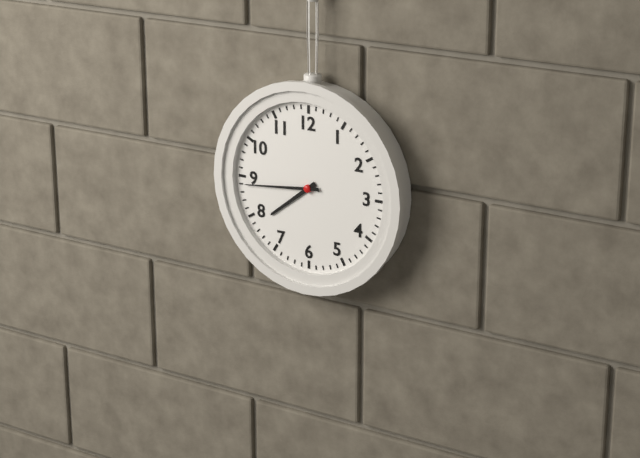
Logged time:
7h44
